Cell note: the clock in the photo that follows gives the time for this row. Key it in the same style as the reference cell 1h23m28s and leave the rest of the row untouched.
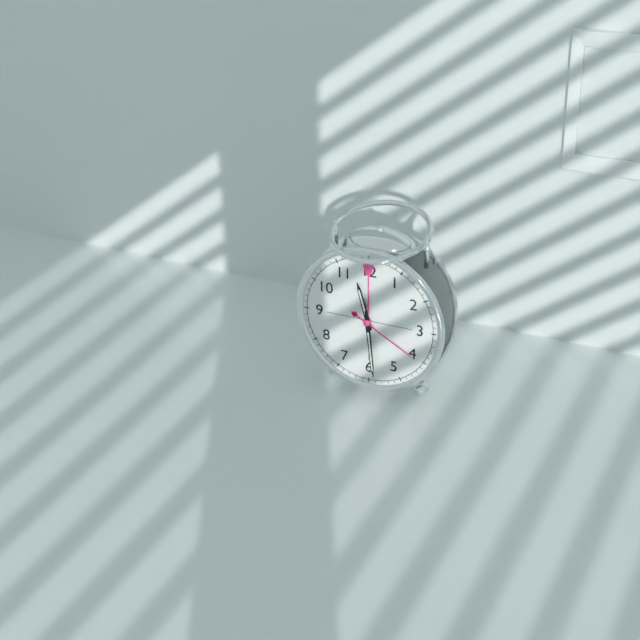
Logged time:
11h29m20s
